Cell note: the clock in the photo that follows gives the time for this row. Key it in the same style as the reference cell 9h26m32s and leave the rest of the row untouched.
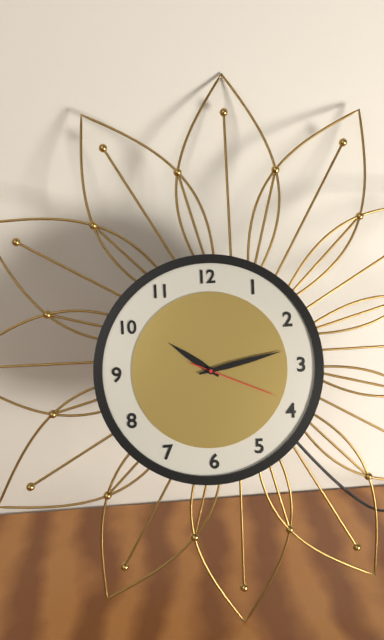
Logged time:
10h13m19s
